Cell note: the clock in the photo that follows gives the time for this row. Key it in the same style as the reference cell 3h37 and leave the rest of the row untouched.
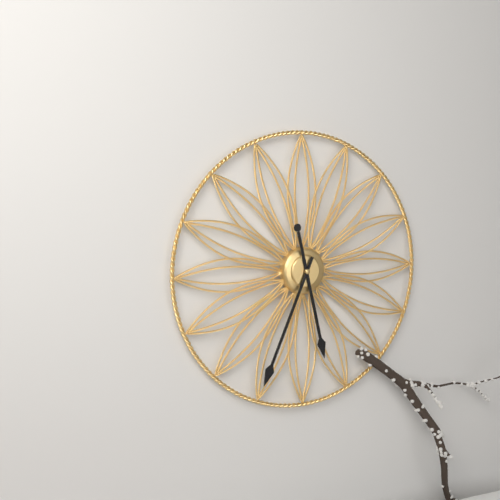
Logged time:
5h34
